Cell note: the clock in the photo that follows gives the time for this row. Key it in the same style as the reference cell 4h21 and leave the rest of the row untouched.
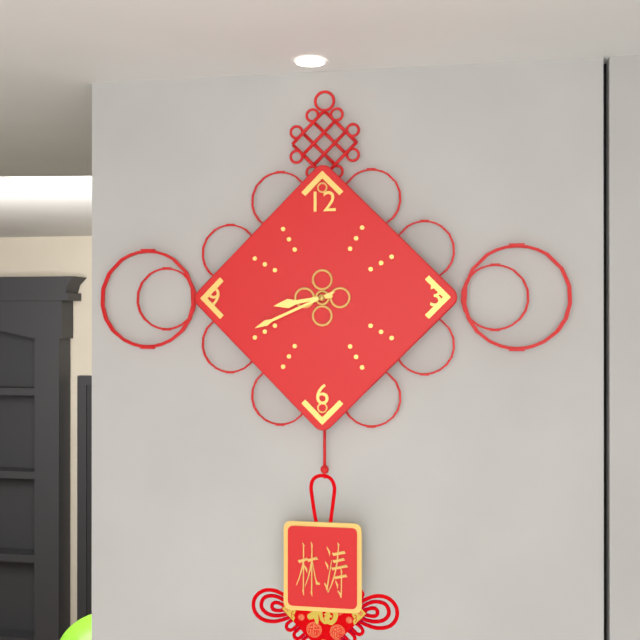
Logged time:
8h41
